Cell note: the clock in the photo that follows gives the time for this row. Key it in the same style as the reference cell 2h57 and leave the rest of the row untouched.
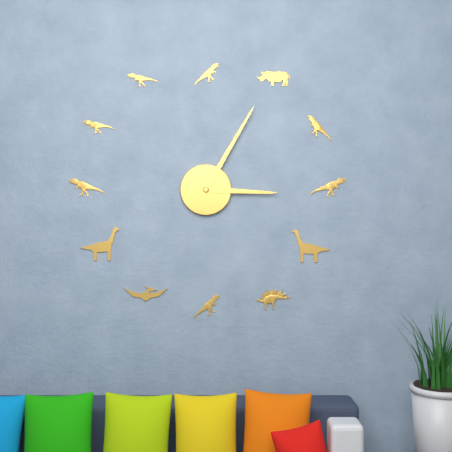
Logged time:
3h05
